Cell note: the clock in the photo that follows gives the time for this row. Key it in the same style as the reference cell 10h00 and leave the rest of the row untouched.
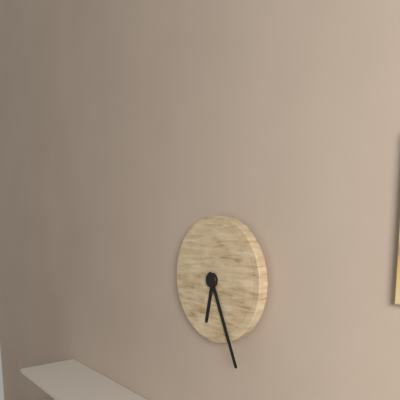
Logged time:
6h26
